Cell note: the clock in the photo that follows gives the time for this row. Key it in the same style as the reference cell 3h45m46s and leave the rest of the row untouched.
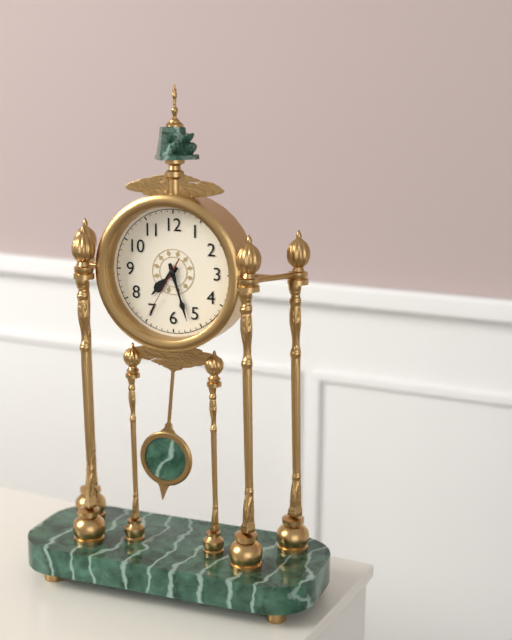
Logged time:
7h27m35s
